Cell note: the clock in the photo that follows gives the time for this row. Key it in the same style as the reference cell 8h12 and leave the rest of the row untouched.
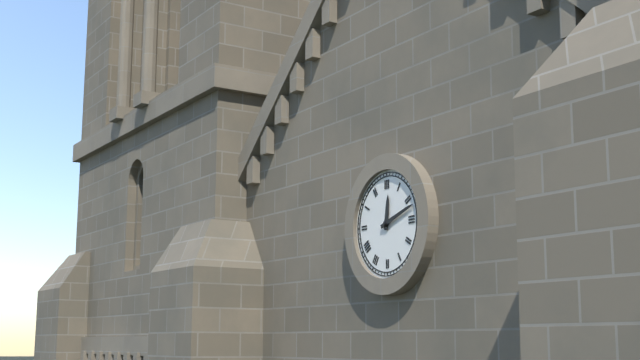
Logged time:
12h12
